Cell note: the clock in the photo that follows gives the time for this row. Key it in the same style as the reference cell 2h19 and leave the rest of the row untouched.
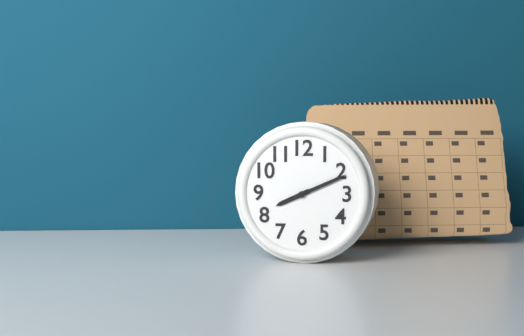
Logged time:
8h11
